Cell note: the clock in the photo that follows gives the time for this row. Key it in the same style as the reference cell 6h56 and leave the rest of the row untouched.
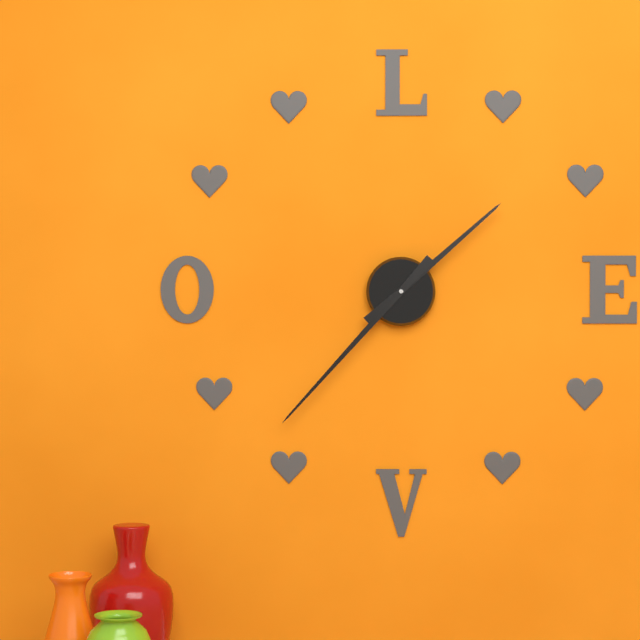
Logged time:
1h37
